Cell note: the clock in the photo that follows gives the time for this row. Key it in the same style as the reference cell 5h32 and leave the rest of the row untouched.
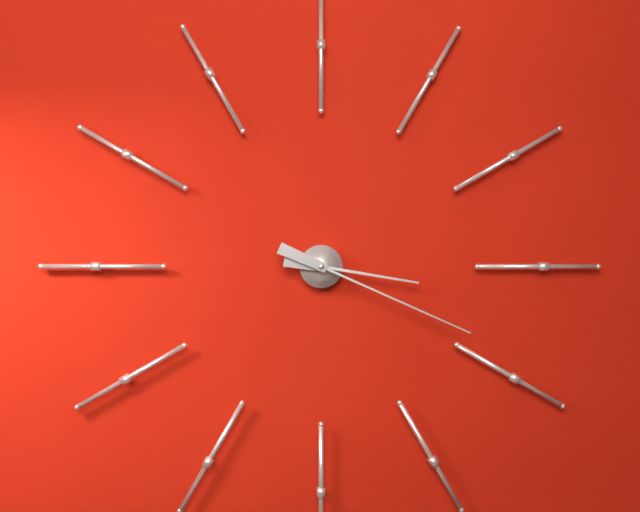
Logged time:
3h19
